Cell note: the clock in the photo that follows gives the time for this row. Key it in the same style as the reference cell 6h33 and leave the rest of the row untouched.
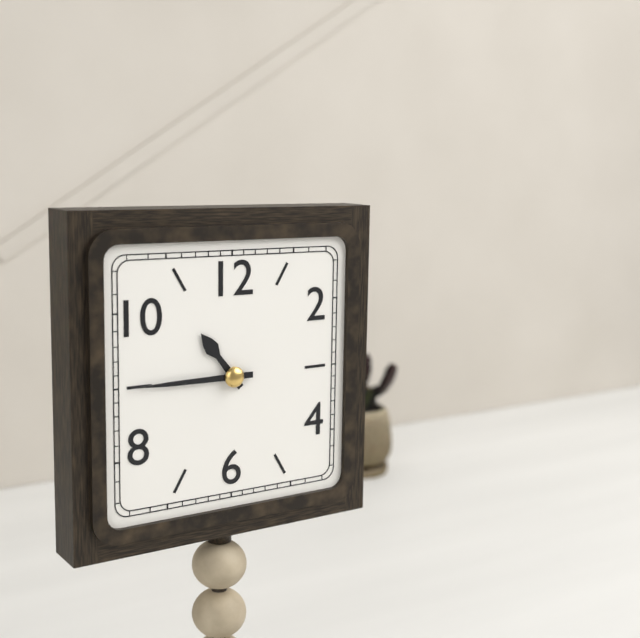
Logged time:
10h45
